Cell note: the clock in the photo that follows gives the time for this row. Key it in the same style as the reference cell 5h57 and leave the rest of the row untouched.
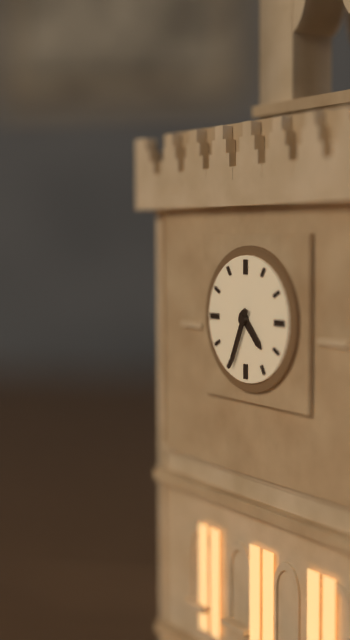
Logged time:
4h34
